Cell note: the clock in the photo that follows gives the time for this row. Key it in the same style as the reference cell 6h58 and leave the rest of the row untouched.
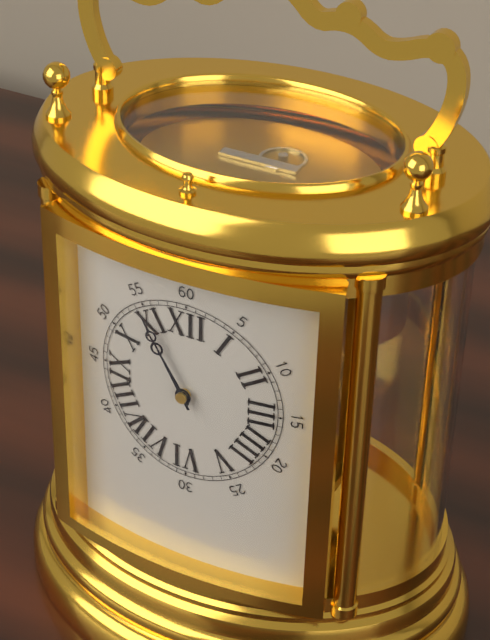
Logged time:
10h55
